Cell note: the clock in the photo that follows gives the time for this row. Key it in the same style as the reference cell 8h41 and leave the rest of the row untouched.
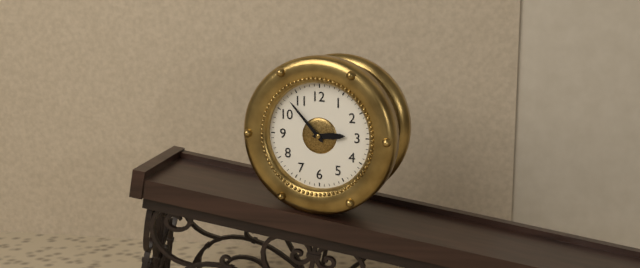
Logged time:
2h53
